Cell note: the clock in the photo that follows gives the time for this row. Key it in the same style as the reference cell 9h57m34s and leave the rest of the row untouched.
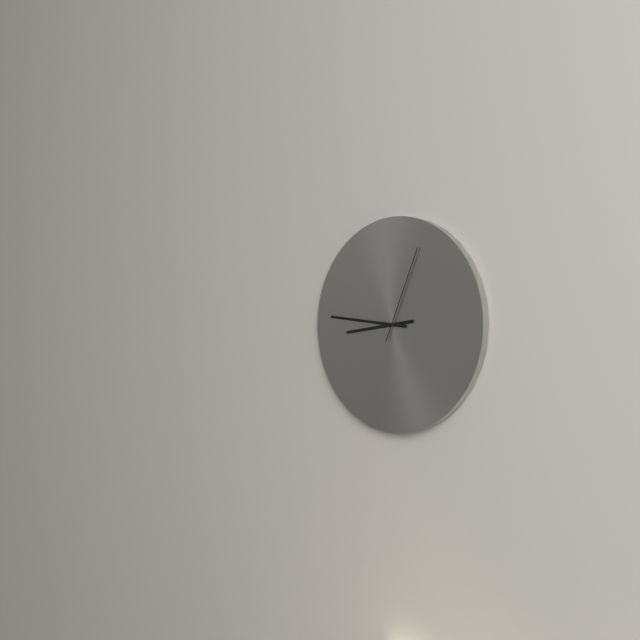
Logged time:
8h46m04s
